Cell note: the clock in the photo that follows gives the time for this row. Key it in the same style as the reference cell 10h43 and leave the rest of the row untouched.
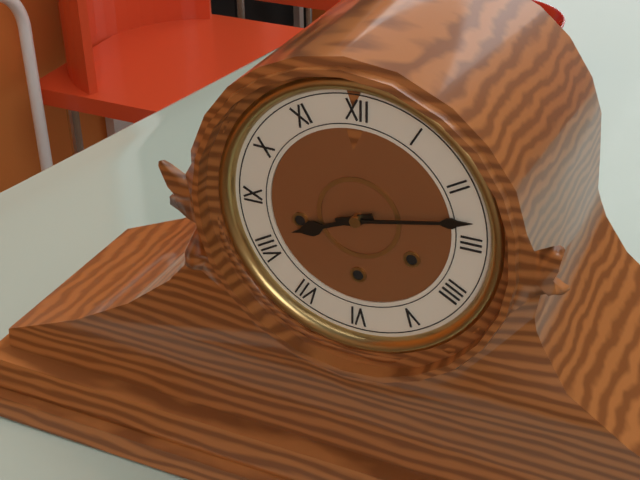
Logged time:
8h13
